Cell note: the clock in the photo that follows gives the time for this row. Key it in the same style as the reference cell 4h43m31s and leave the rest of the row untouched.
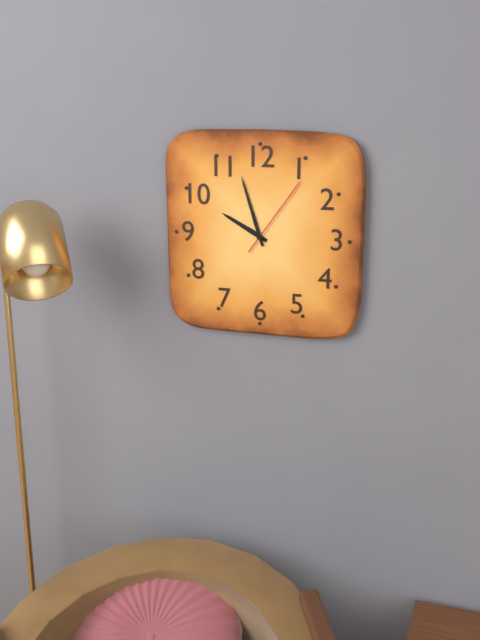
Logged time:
9h57m06s
